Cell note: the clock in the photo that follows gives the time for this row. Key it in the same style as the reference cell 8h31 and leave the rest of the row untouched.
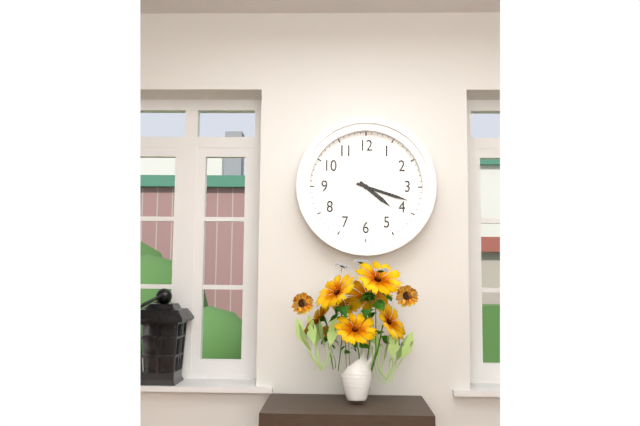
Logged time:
4h18
